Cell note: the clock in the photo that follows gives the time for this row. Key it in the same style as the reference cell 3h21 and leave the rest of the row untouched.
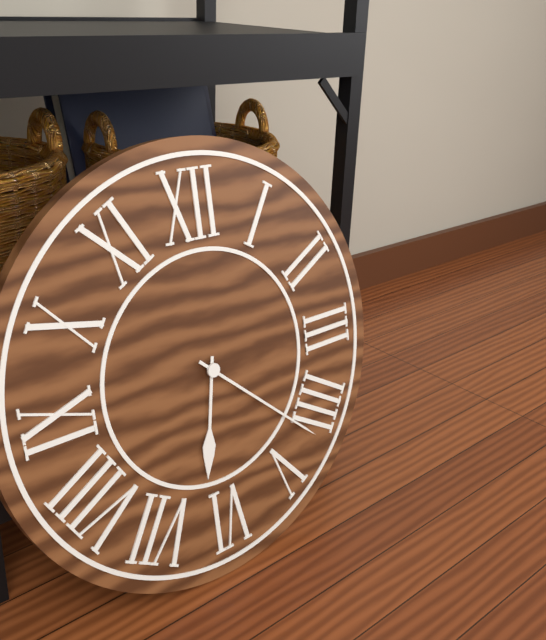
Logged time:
6h22
